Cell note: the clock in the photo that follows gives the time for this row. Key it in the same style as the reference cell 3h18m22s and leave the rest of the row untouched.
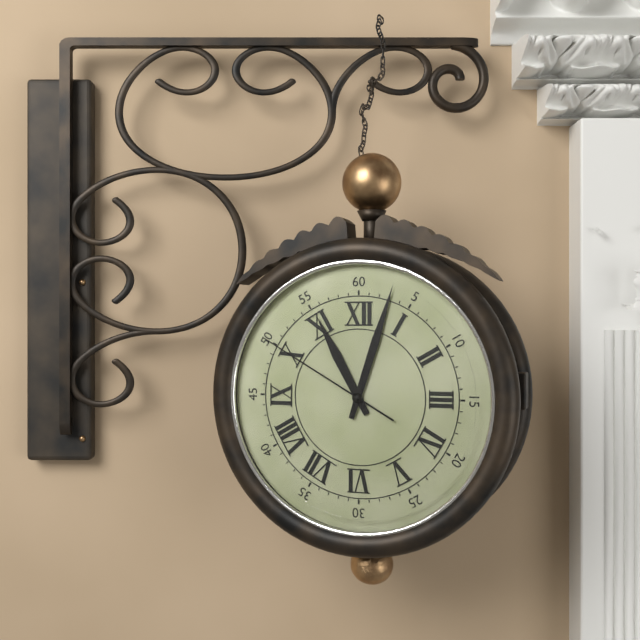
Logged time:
11h03m50s
